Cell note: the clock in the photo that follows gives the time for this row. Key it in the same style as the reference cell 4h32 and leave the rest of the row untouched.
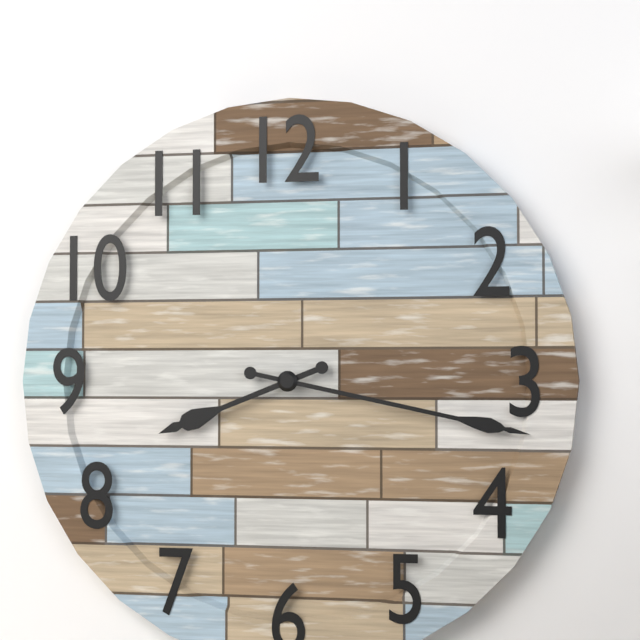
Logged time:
8h17
